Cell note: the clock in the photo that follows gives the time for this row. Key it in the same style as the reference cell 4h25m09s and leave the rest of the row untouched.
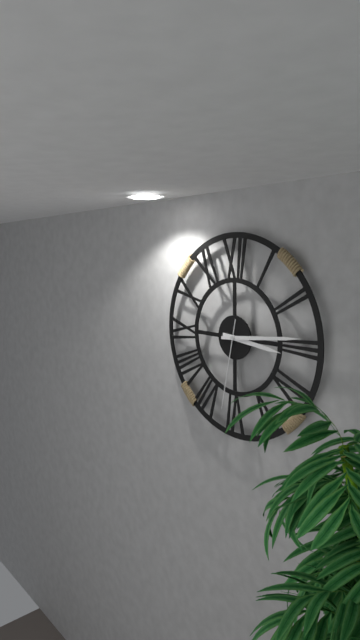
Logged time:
3h14m32s
